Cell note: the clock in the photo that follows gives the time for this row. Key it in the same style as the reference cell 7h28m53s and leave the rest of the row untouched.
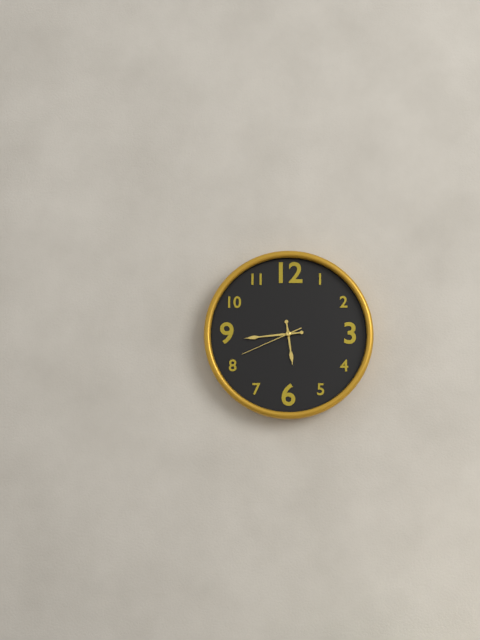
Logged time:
5h44m41s
